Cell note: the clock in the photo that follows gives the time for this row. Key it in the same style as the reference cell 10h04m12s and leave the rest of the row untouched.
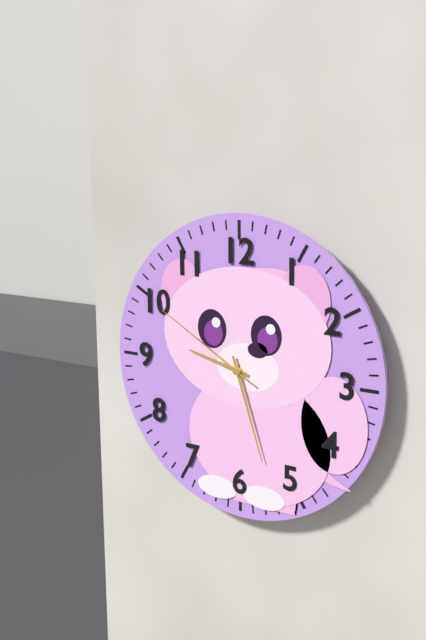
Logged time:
9h27m50s
